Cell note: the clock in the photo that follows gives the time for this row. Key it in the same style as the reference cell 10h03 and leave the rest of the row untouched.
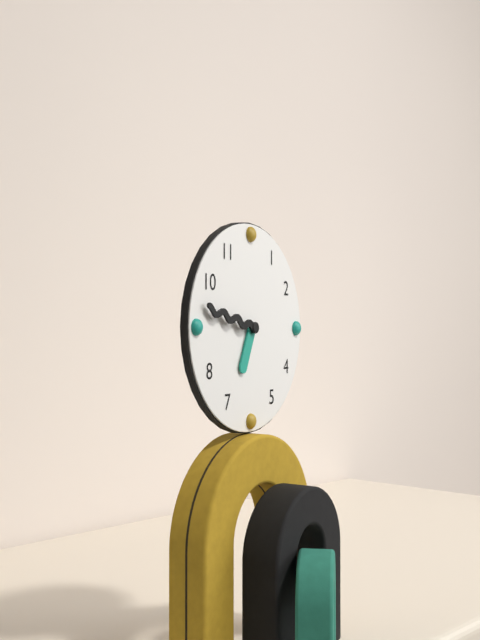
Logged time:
6h47
